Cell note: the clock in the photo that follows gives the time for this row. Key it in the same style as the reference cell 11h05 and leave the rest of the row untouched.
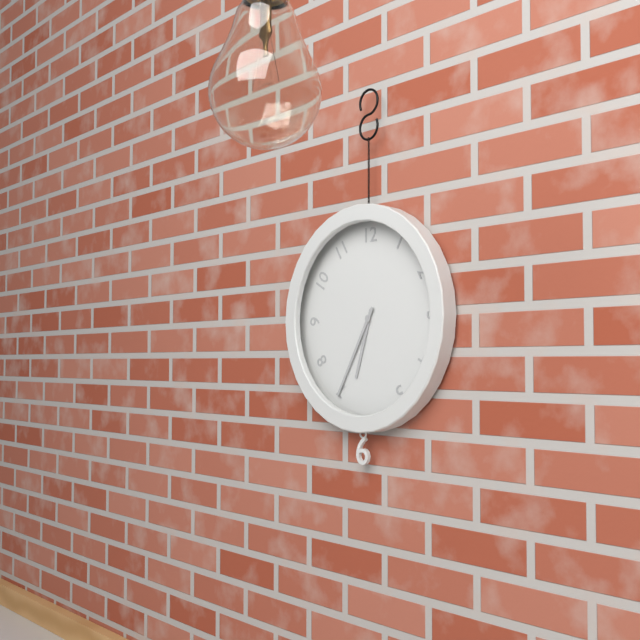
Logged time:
6h35
